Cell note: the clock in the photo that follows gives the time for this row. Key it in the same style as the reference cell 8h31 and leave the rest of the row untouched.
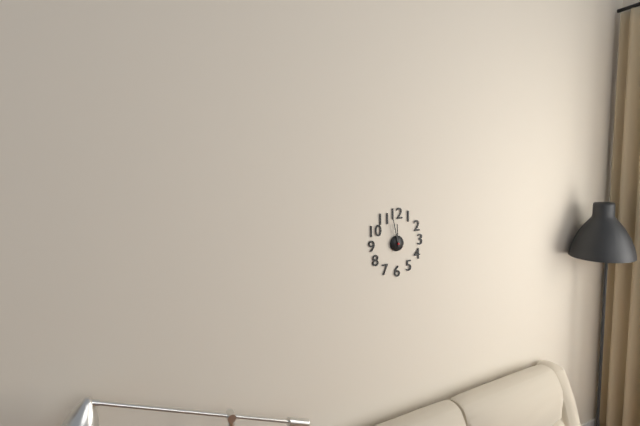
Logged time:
11h58
